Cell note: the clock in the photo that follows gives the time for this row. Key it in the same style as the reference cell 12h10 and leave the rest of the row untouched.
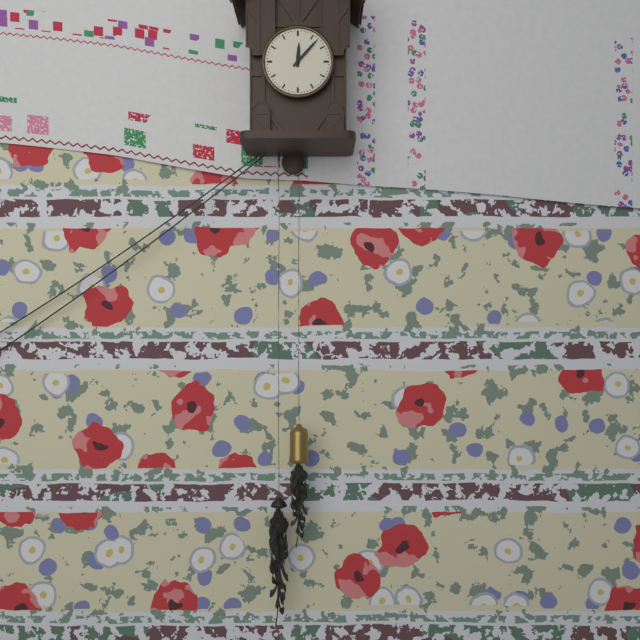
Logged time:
12h07
